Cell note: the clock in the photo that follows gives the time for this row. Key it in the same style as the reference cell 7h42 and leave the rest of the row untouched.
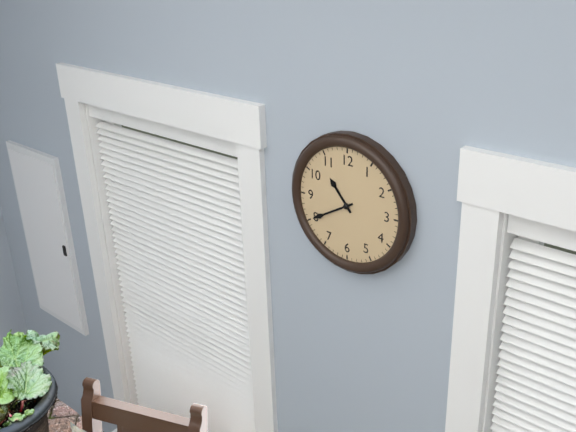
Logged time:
10h40
